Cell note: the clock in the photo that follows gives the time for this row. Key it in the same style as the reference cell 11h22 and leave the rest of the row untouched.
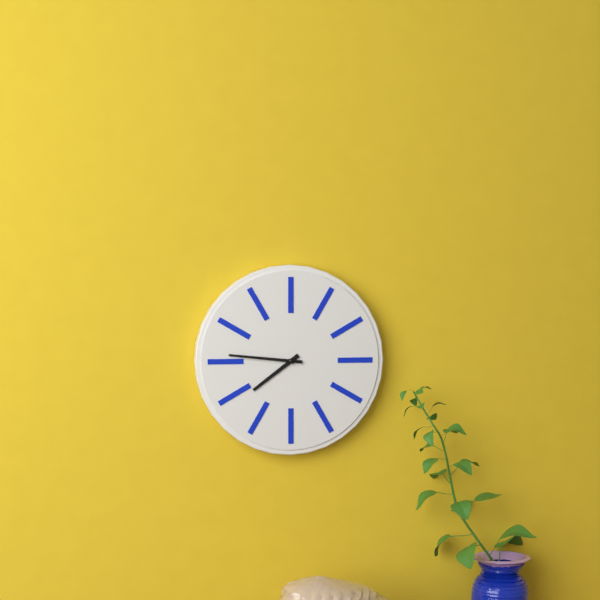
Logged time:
7h46
